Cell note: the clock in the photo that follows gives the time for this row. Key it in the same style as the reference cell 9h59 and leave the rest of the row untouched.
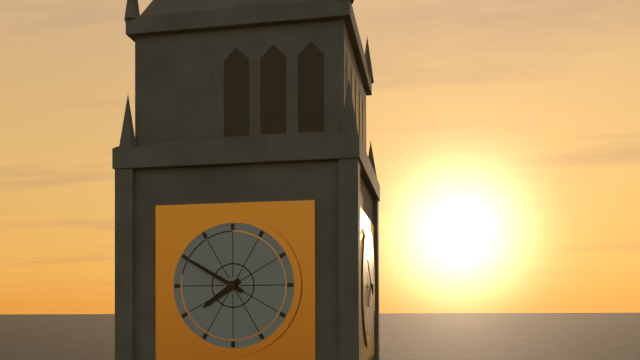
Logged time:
7h50
